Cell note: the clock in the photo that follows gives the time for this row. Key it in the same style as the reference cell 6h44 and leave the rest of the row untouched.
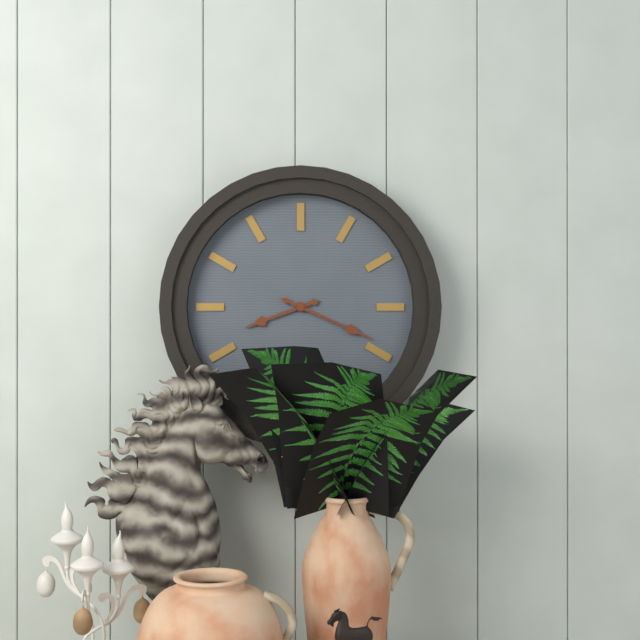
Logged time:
8h19
